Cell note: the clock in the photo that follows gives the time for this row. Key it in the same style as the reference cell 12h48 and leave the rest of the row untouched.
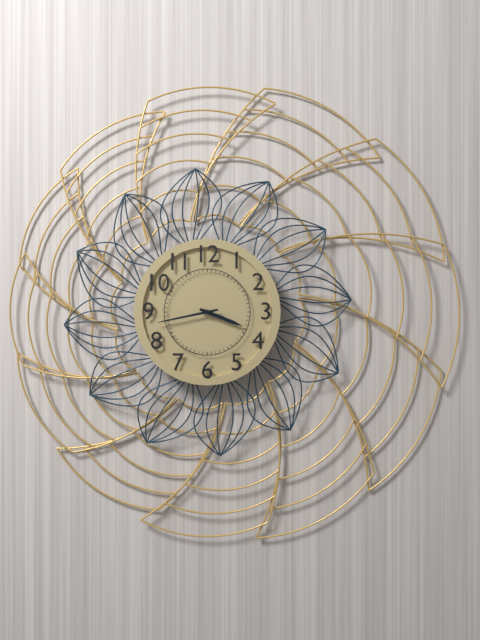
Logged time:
3h43
